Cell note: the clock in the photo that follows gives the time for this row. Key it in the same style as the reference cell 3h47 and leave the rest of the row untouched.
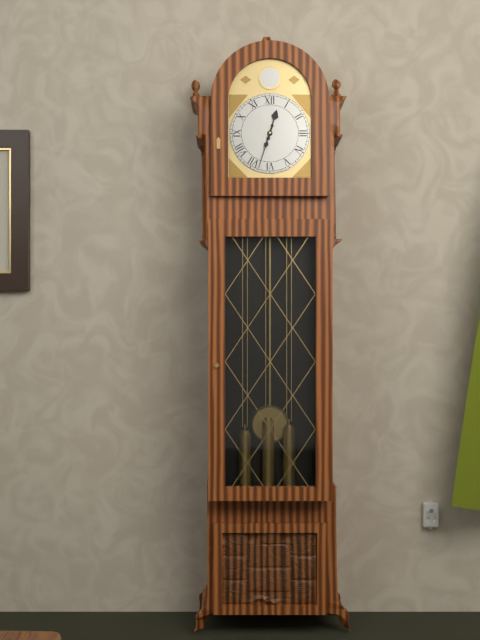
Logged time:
12h33
